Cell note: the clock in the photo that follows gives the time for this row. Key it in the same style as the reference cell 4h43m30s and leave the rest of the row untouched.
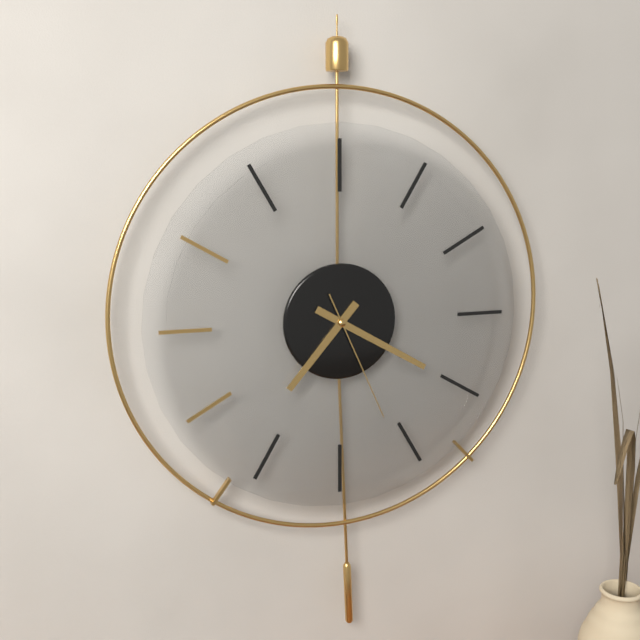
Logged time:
7h20m26s
